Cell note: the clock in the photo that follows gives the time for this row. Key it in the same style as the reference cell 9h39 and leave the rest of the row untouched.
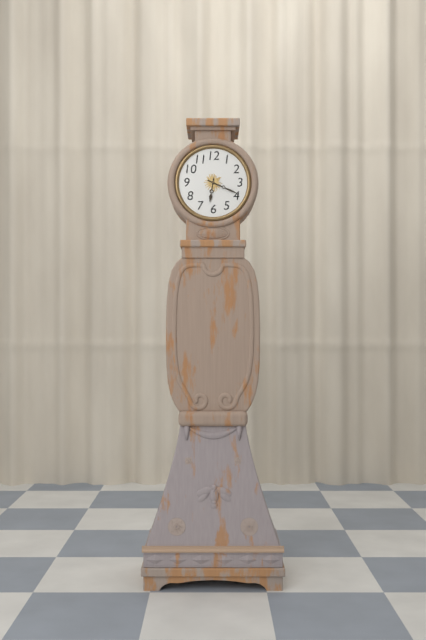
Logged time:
6h19
